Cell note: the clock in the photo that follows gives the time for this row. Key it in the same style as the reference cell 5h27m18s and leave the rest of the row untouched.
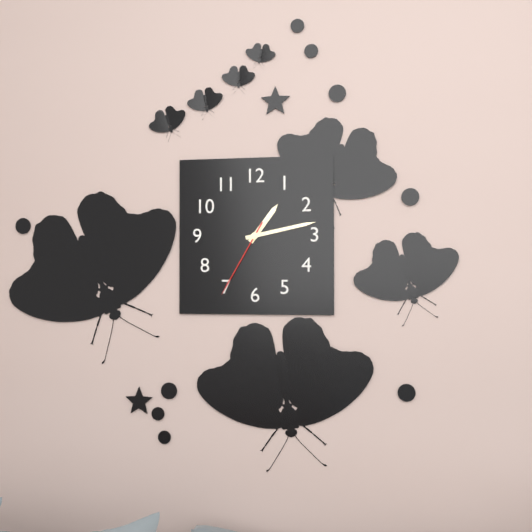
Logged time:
1h13m35s
